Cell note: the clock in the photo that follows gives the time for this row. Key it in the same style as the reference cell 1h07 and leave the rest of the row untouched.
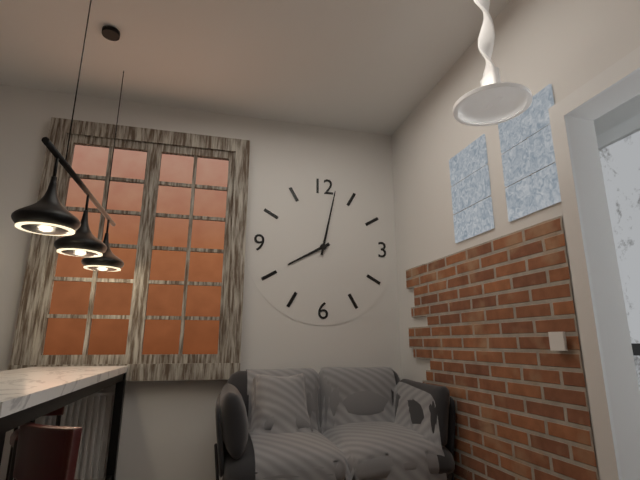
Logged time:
8h02
